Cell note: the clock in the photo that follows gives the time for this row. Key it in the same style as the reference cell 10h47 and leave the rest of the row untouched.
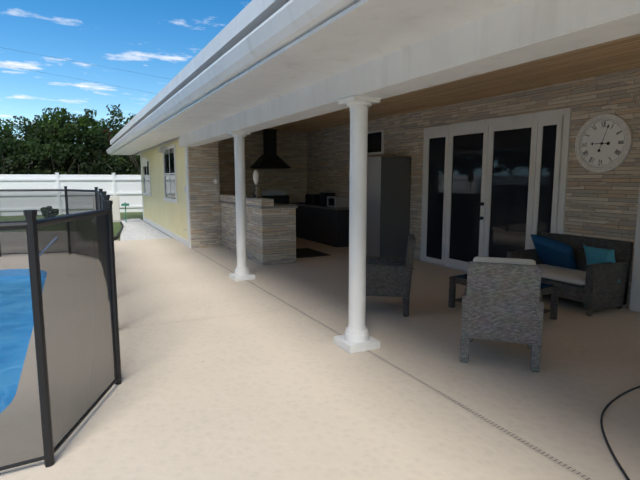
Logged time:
9h03
